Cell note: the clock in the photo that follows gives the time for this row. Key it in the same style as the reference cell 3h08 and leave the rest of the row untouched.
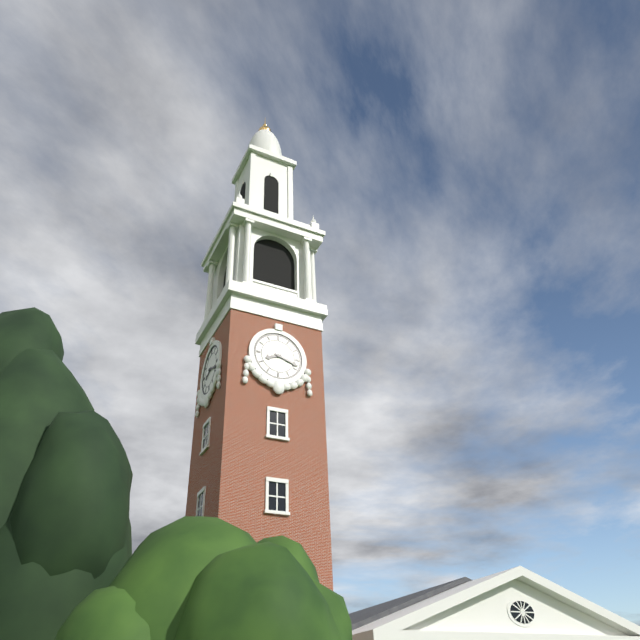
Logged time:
8h18
